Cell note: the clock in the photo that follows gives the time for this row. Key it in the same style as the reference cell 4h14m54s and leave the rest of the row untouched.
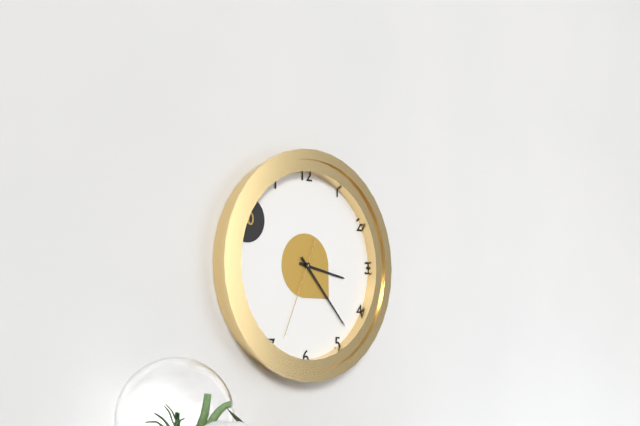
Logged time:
3h23m34s
